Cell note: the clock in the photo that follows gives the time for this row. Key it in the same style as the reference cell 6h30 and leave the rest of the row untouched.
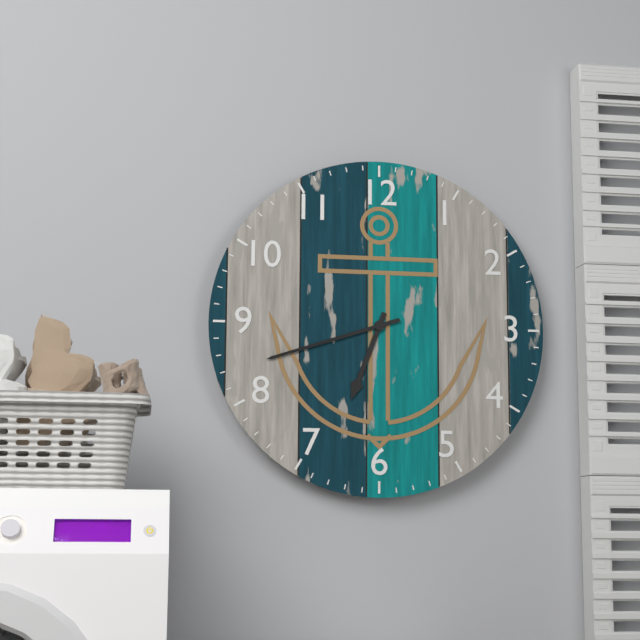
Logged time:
6h42
